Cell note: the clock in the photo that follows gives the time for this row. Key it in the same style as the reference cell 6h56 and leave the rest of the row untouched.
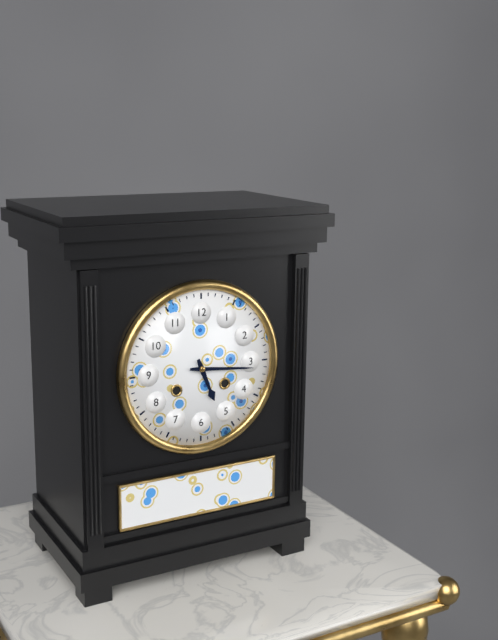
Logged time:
5h16
